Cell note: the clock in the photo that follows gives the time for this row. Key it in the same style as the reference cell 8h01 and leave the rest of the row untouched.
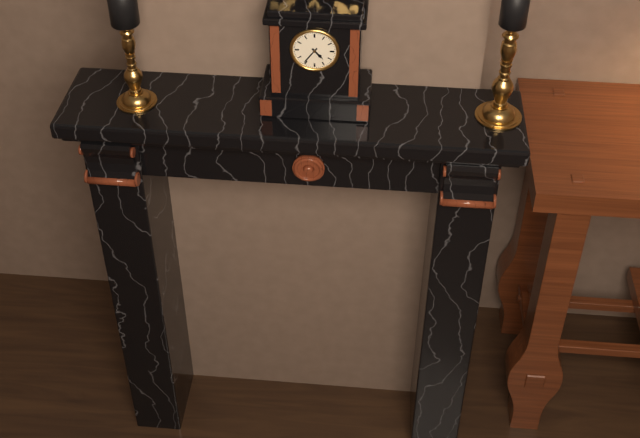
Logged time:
4h36
